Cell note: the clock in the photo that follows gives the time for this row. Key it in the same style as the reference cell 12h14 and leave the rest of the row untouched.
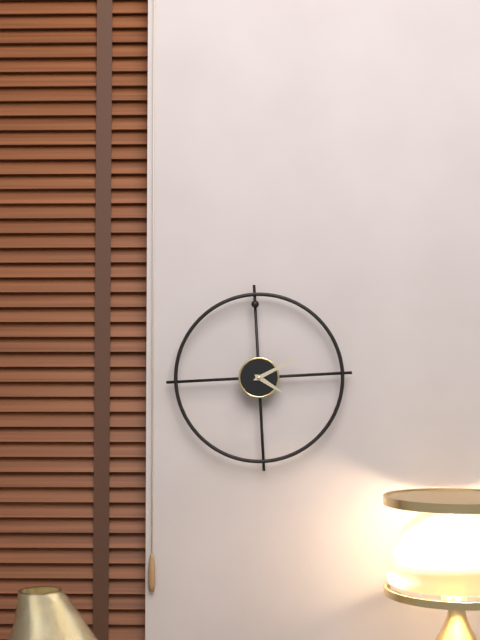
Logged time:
4h11
